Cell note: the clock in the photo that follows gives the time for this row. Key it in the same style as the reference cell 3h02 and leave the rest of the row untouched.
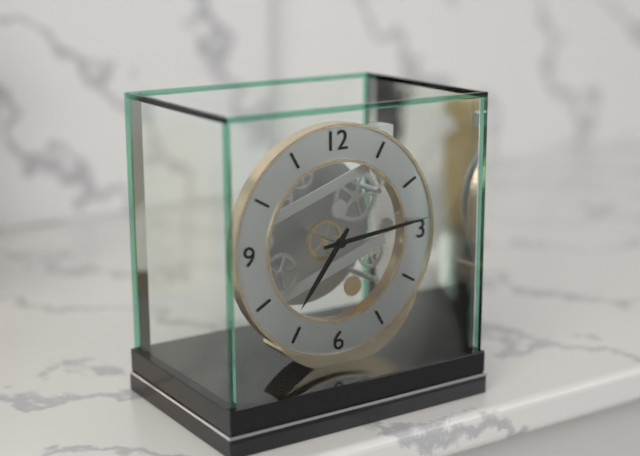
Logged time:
7h14
